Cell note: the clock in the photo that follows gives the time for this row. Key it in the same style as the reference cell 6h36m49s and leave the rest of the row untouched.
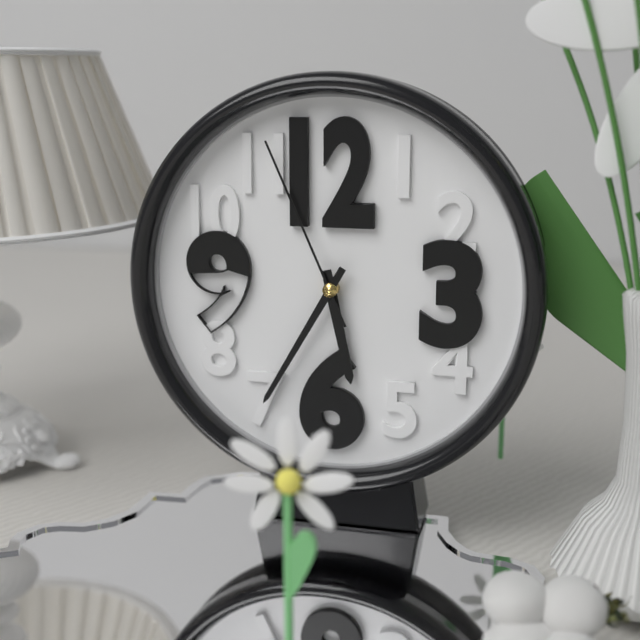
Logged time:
5h35m56s
